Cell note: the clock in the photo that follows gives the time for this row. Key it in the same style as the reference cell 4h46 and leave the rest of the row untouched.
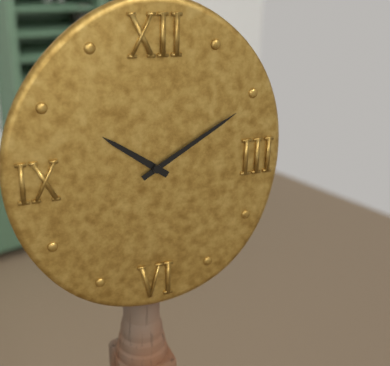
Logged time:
10h10
